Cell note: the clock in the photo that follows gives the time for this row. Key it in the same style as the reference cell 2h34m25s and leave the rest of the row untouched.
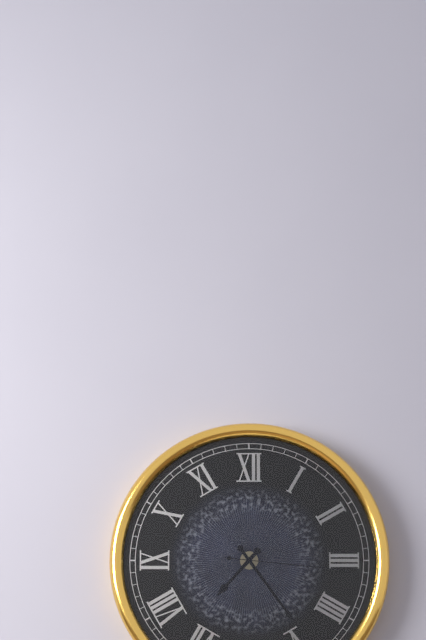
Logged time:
7h24m16s
